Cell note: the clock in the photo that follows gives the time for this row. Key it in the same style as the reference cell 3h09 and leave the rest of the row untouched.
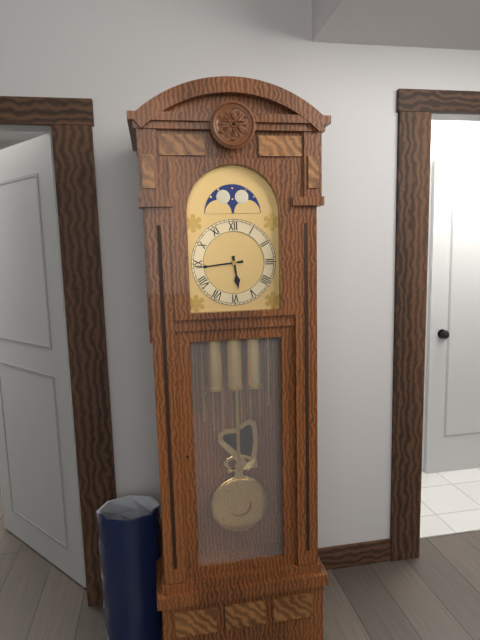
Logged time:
5h44
